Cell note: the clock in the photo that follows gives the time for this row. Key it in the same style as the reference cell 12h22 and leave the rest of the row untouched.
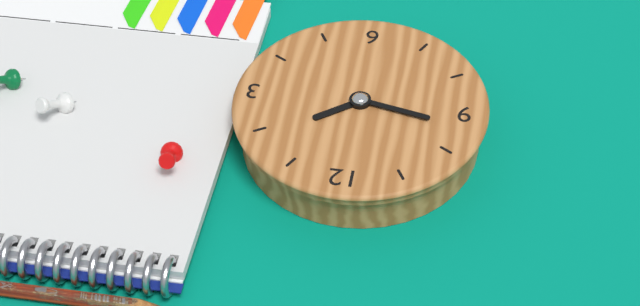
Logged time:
1h47
